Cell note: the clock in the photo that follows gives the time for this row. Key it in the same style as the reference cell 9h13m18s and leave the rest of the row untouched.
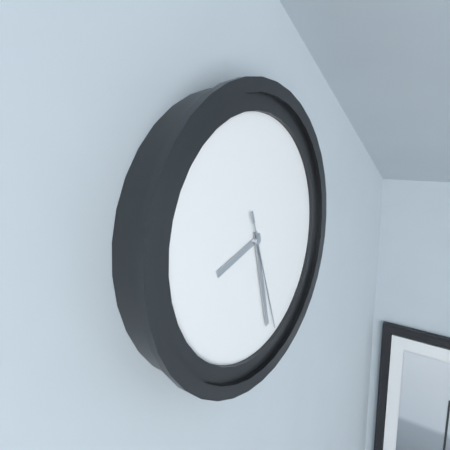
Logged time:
8h28m27s
